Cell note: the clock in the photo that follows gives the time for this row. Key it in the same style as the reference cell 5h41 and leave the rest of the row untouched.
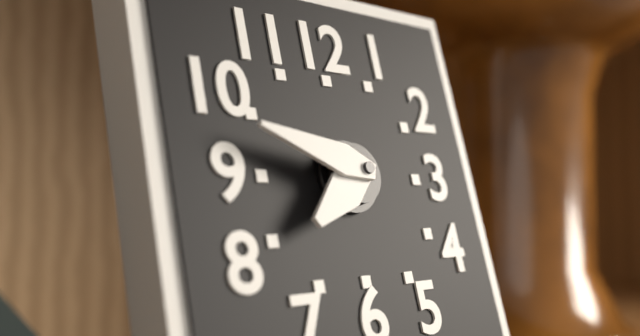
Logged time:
7h48
